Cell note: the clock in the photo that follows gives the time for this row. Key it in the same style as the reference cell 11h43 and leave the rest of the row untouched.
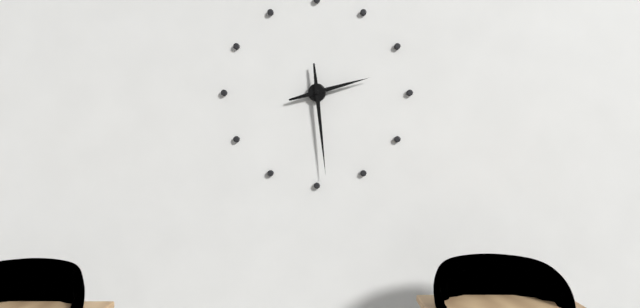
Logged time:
2h29
